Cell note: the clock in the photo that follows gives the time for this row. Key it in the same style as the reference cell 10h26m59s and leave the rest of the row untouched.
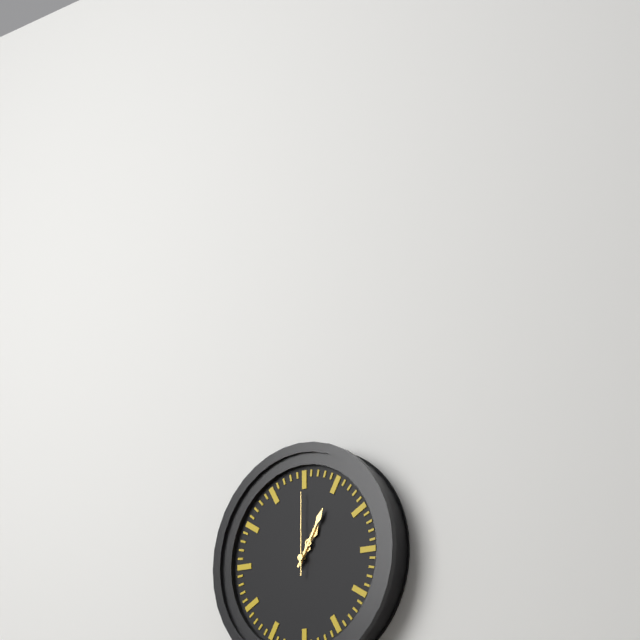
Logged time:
1h05m00s
